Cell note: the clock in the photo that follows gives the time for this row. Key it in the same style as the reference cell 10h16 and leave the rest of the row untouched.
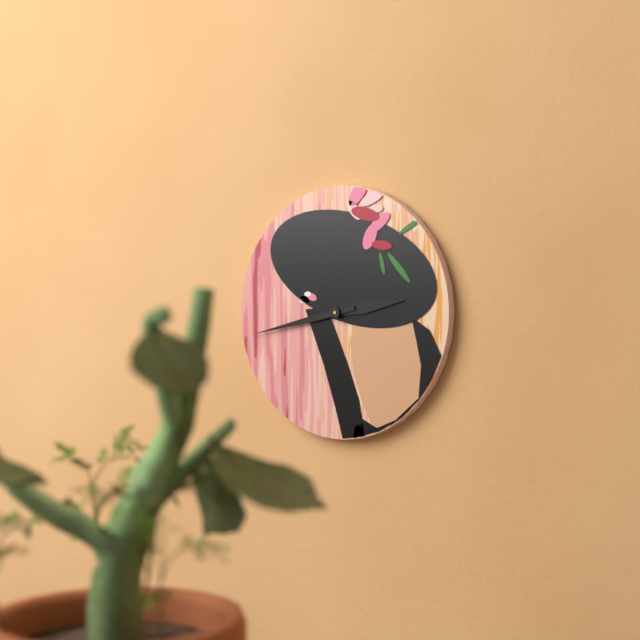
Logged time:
2h43
